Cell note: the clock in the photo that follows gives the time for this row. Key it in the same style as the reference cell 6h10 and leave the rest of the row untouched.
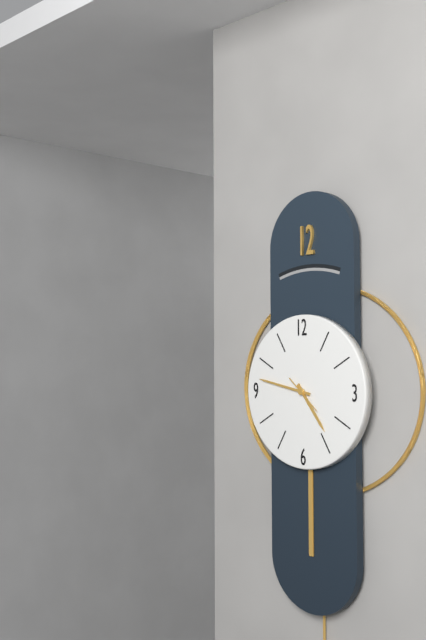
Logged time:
4h47
